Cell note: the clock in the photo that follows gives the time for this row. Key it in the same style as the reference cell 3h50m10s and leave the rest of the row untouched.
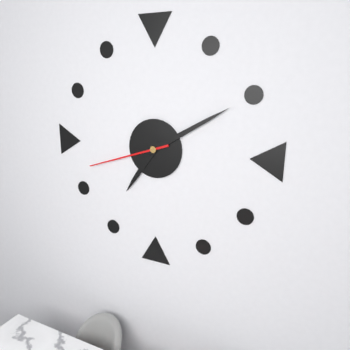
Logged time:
7h10m42s
